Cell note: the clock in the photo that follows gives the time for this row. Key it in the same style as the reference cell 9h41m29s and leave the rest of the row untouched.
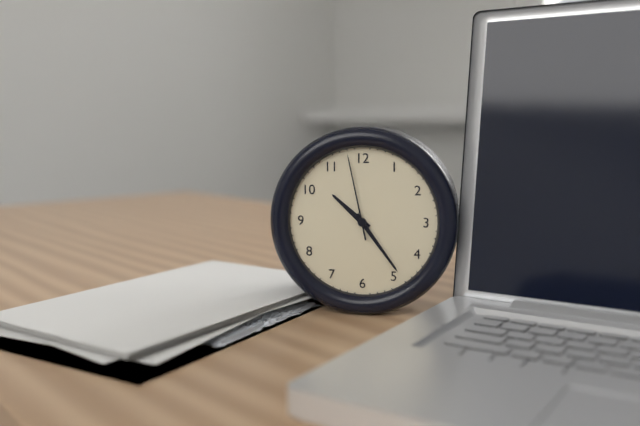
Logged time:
10h24m58s
